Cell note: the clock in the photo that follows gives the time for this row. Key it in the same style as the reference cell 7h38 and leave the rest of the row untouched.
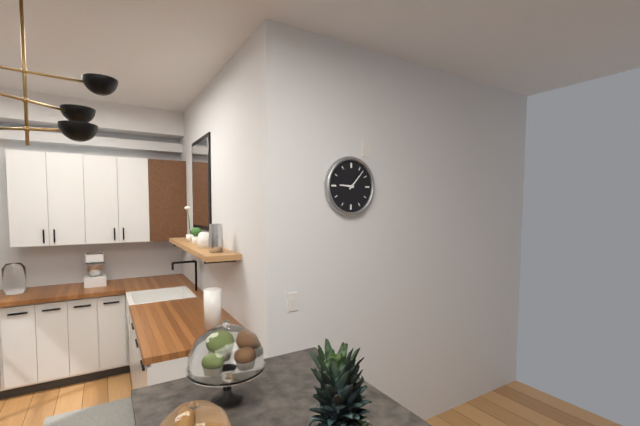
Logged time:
9h07
